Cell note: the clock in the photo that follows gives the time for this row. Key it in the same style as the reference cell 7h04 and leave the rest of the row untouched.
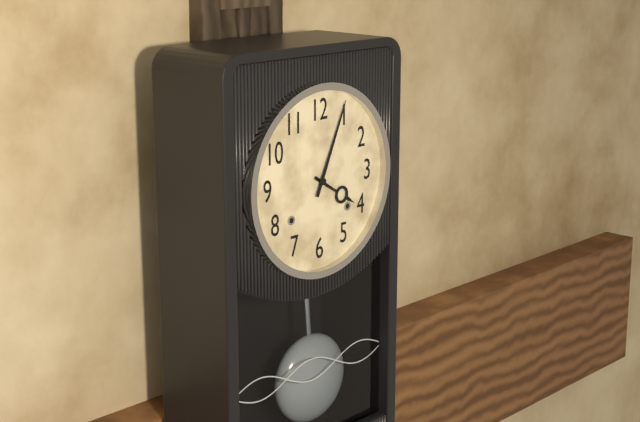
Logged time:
4h04
